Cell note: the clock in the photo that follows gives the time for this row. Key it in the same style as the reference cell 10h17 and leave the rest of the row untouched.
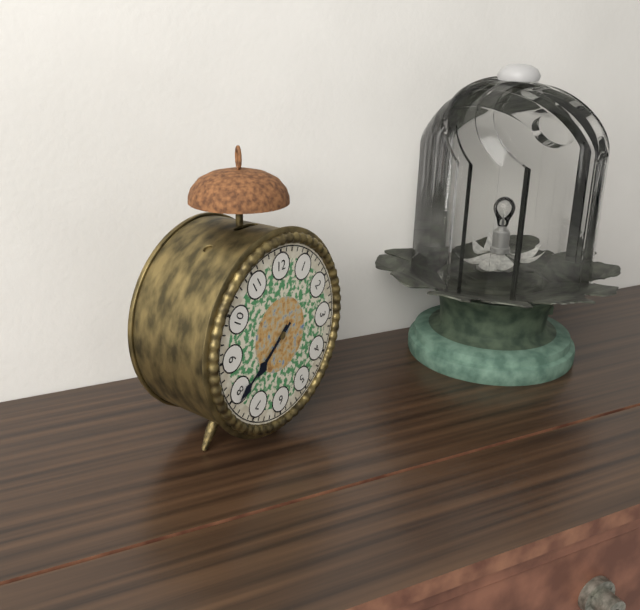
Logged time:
7h39
